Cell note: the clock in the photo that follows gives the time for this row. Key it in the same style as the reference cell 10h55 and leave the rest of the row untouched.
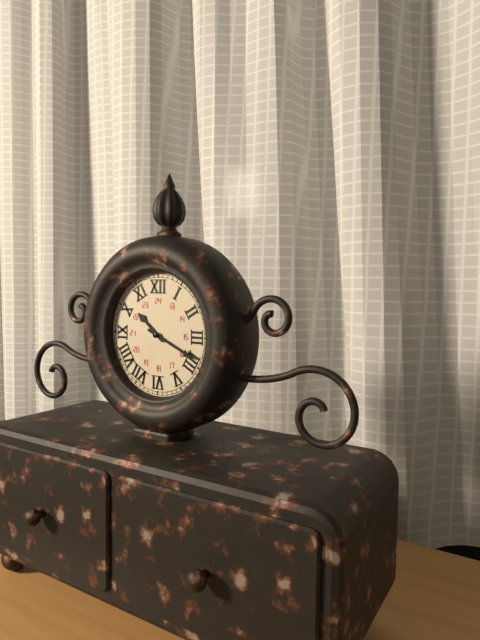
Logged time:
10h19
